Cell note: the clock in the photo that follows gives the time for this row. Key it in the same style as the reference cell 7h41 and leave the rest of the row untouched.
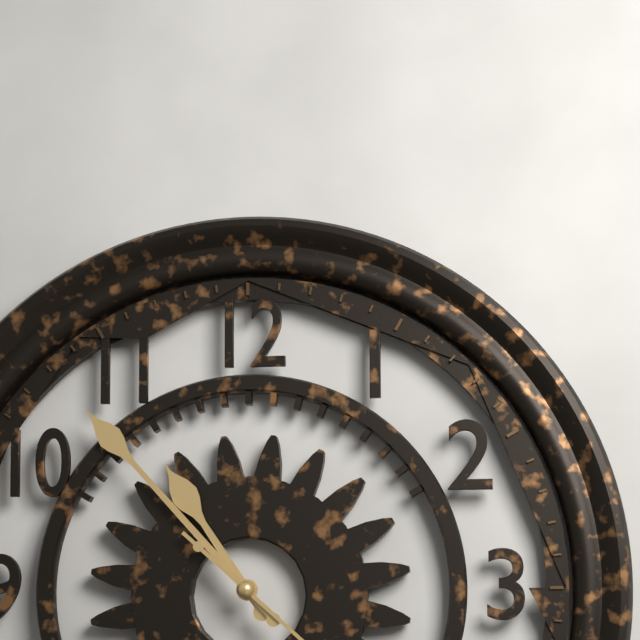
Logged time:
10h53
